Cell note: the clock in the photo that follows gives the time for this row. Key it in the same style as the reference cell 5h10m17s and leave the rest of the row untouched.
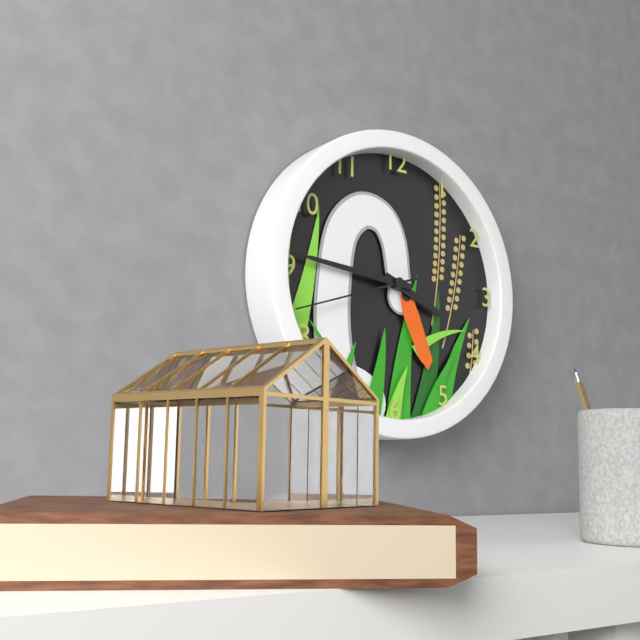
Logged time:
3h46m42s
